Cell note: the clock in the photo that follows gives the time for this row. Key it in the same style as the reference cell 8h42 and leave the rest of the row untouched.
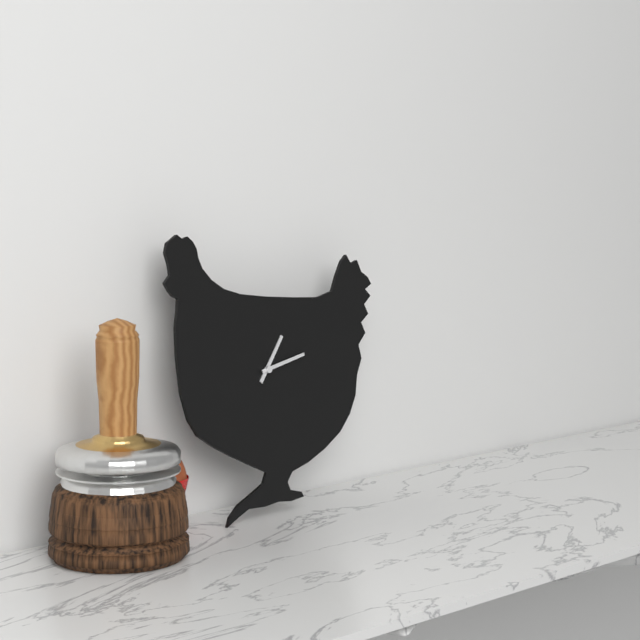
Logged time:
1h13
